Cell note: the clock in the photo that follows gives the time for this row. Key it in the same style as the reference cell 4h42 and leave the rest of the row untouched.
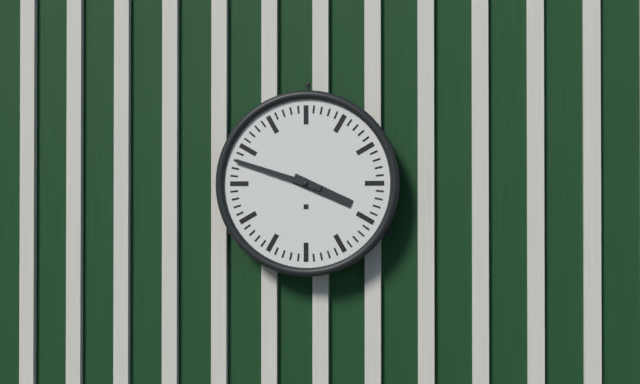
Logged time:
3h48
